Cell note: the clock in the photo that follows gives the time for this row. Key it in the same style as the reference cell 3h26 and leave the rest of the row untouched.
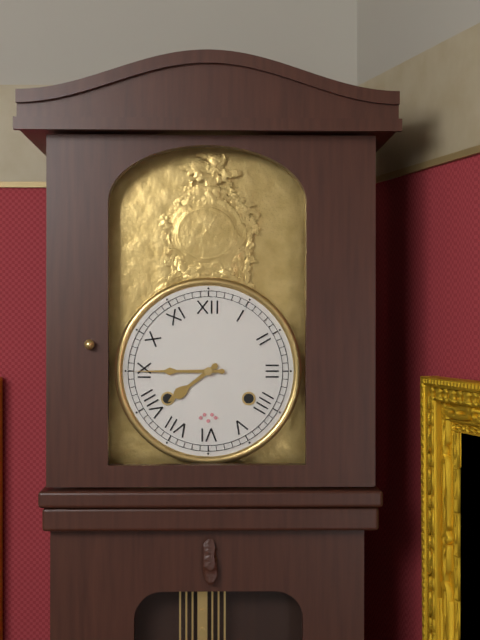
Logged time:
7h45
